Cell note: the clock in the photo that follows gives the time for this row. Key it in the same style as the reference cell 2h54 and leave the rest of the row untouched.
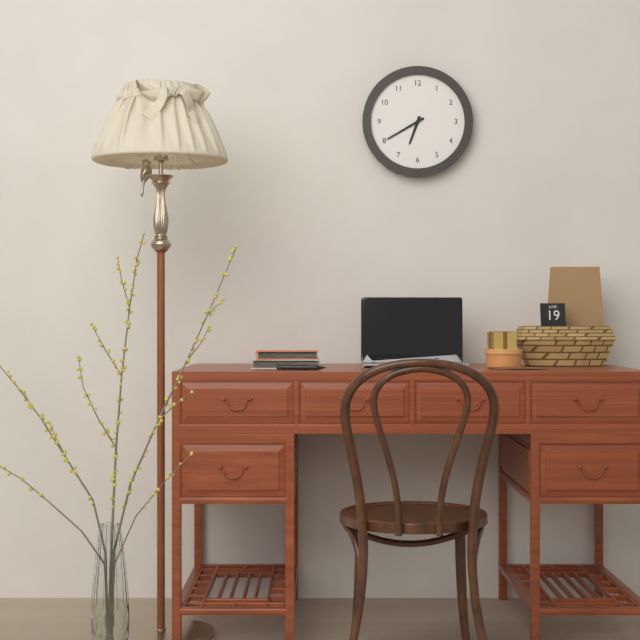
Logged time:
6h40
